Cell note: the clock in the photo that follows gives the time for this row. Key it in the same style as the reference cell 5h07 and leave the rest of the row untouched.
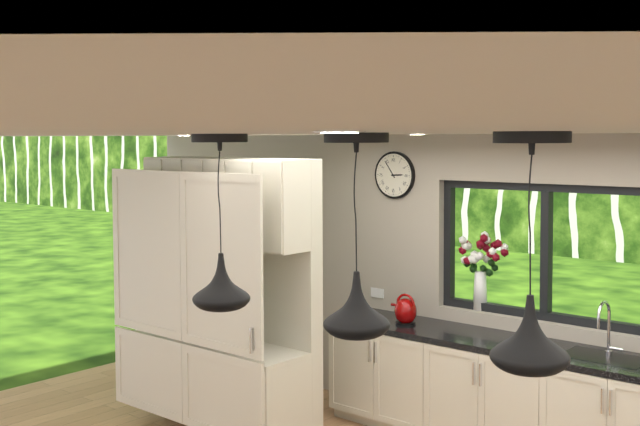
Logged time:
2h54
